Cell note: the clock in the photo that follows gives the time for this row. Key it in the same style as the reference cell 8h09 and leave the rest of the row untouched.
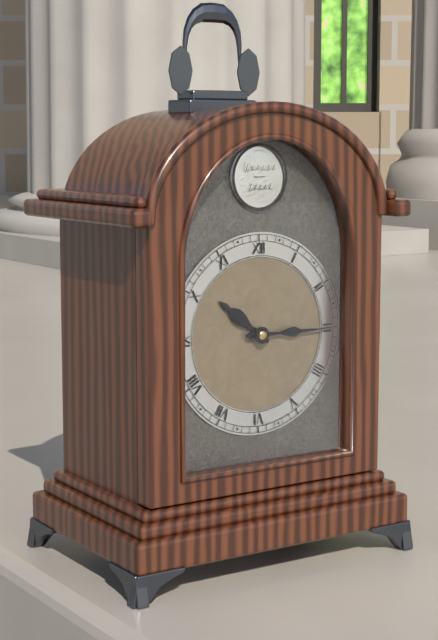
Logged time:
10h15
